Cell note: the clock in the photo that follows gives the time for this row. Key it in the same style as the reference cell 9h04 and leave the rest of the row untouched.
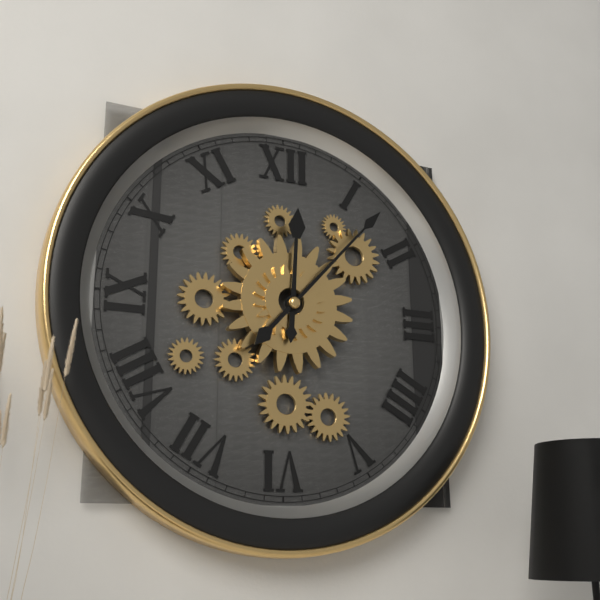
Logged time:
12h07
